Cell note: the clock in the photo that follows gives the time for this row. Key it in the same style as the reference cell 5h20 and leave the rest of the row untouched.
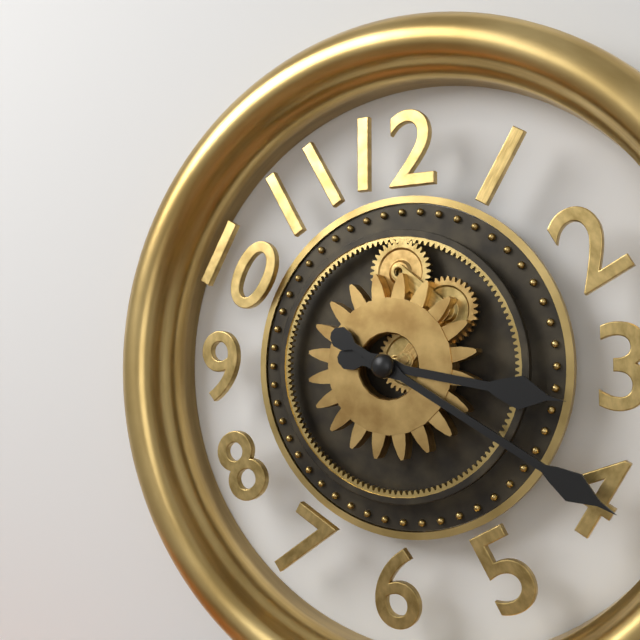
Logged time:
3h20
